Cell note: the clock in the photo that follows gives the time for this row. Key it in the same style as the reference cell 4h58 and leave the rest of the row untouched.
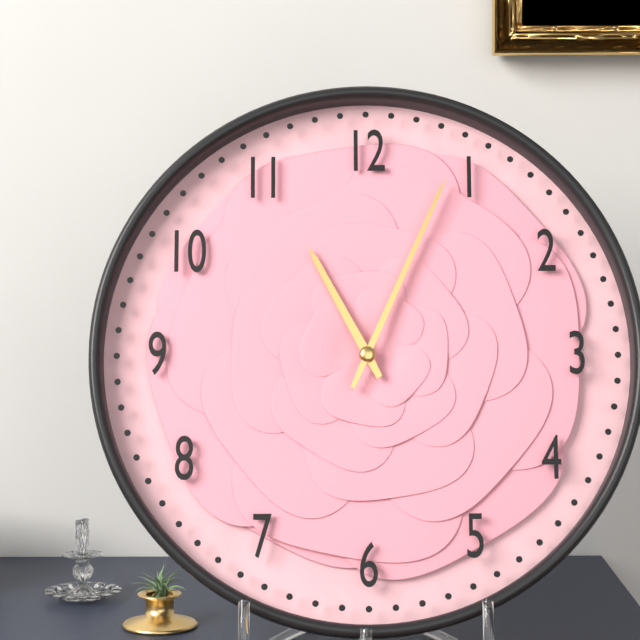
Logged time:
11h04
